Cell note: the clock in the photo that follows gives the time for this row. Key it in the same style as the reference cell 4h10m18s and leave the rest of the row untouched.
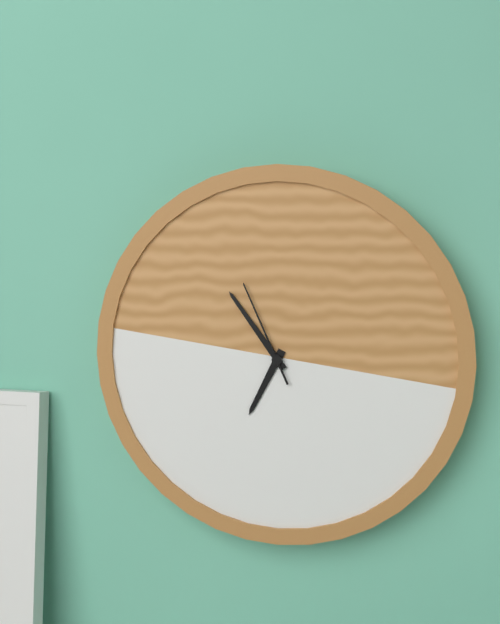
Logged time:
6h54m56s
